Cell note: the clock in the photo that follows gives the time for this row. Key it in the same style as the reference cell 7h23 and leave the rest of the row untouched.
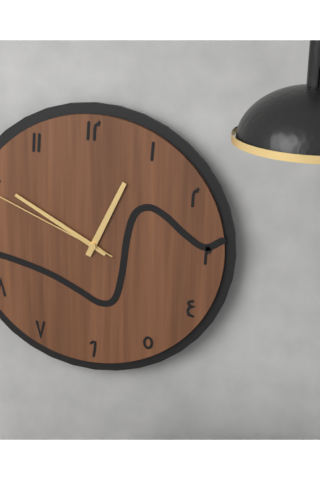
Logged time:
12h50
